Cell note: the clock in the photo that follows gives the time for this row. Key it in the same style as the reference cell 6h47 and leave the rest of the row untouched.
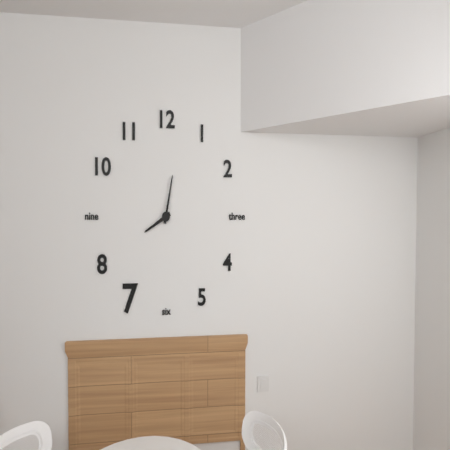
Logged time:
8h02
